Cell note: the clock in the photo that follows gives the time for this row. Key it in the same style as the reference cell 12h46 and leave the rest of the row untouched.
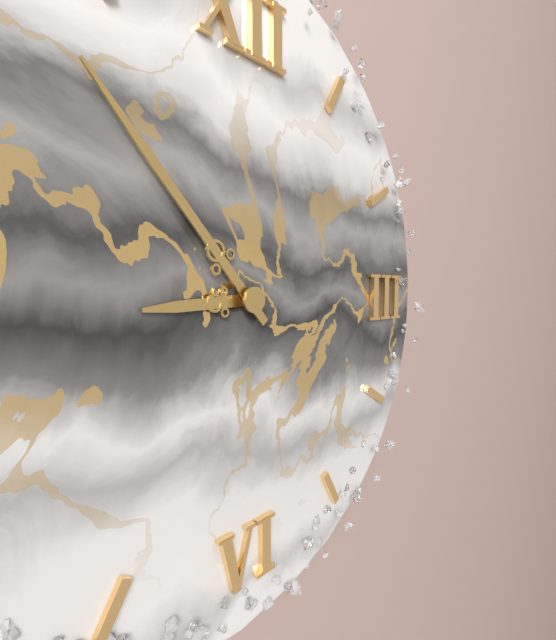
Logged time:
8h53
